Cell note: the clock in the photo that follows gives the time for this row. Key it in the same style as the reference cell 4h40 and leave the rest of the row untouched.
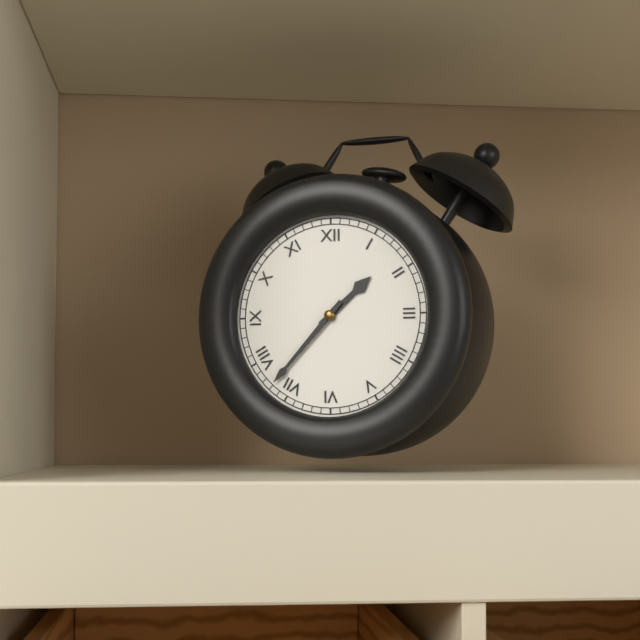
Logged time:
1h37
